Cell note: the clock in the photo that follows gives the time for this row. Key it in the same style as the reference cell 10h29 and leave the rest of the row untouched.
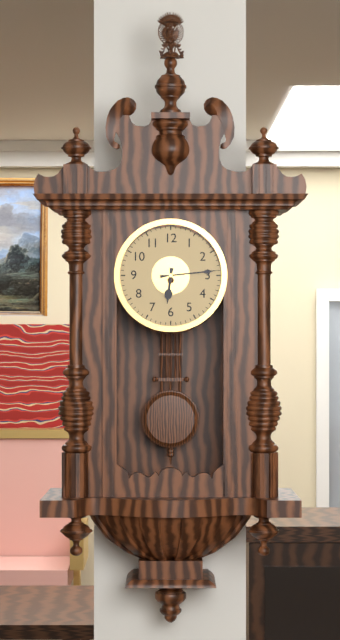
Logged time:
6h14
